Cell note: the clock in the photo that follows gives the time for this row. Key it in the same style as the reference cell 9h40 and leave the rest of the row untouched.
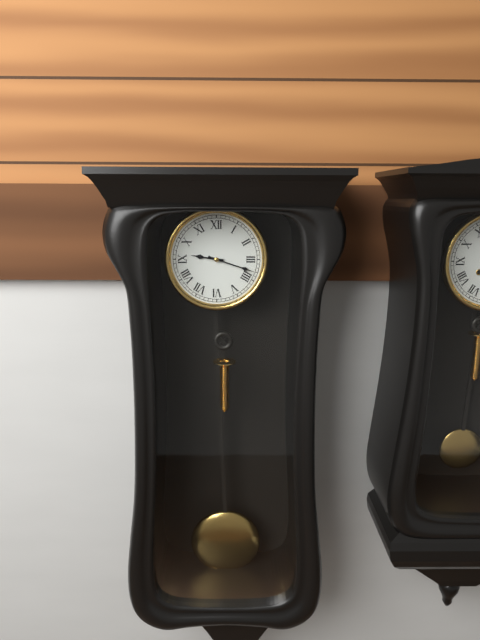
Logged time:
9h18
